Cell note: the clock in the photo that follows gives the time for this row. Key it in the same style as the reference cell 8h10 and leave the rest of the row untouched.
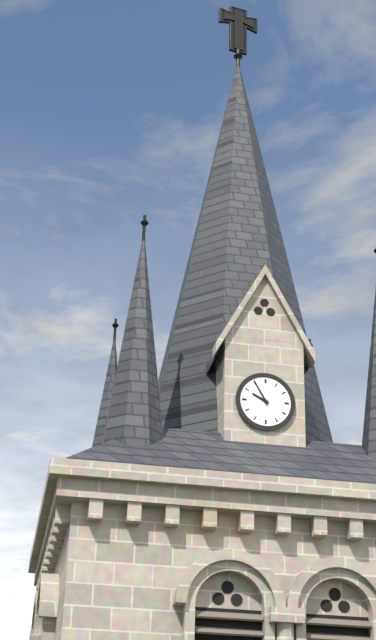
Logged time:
9h55
